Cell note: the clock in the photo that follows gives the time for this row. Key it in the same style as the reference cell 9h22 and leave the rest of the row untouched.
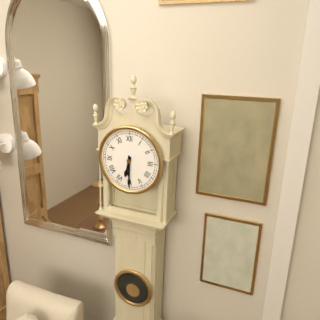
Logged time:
6h30
